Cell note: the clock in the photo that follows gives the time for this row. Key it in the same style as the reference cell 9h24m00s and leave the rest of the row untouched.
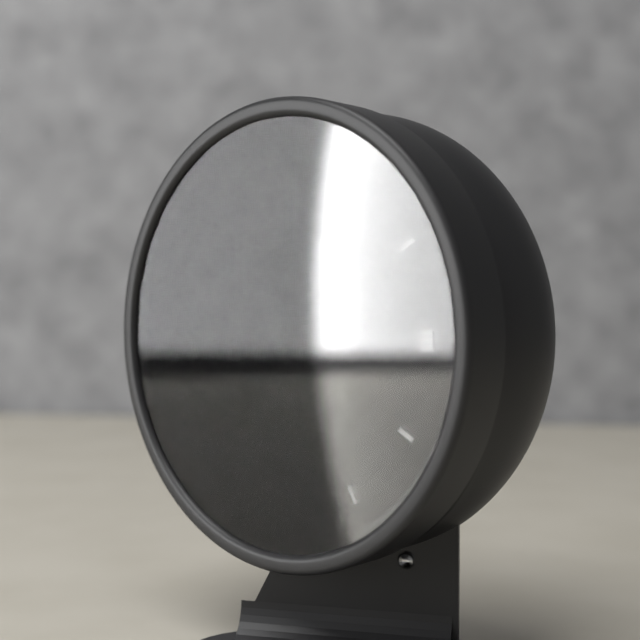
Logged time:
10h05m56s
